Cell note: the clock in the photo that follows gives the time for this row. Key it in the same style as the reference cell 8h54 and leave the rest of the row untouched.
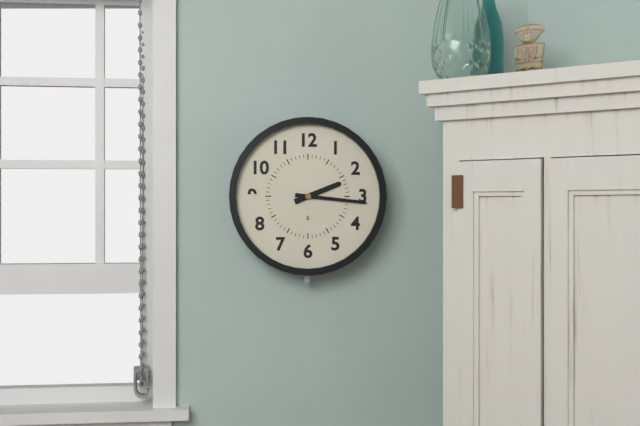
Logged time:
2h16
